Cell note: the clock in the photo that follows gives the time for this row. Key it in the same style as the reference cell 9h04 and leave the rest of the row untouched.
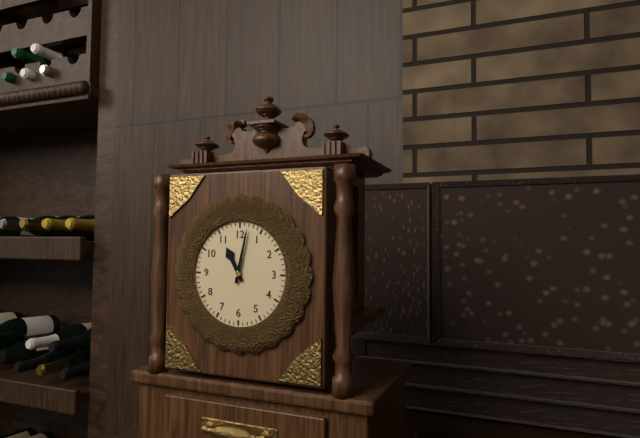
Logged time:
11h02
